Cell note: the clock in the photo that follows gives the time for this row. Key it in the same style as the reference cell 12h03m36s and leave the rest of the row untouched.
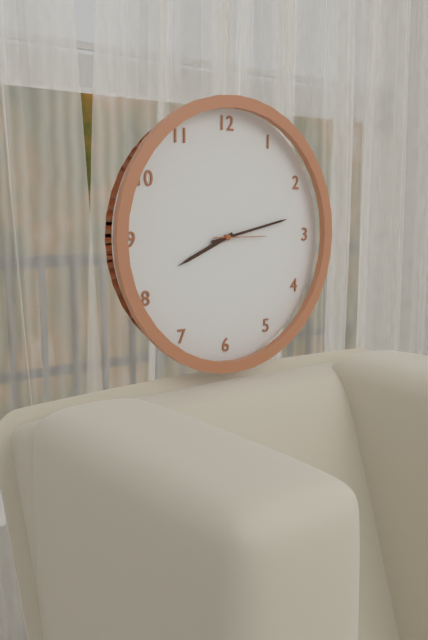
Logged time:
8h13m15s
